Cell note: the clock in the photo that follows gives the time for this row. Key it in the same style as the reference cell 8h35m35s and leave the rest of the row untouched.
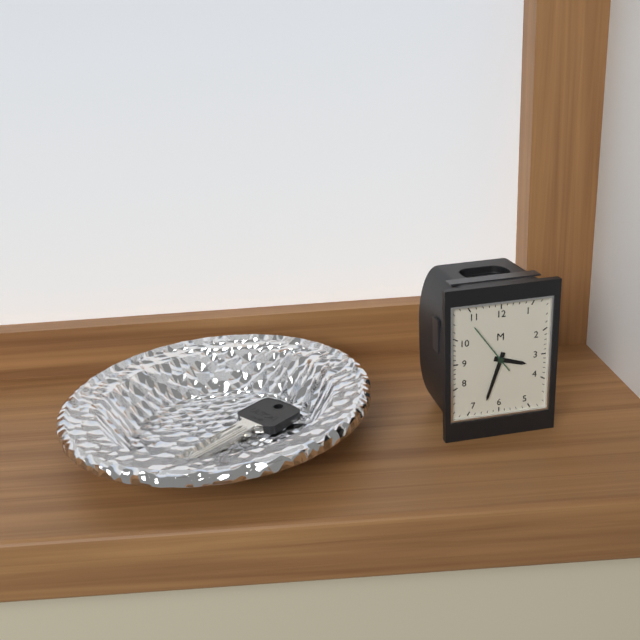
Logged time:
3h33m54s
